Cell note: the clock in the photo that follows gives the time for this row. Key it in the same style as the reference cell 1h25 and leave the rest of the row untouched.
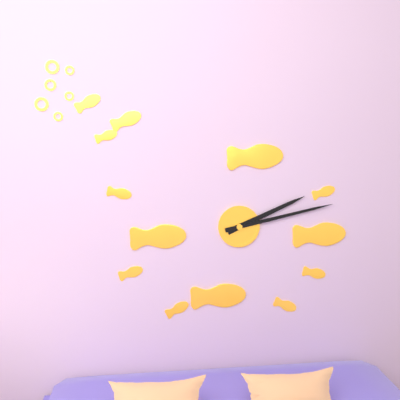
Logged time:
2h13
